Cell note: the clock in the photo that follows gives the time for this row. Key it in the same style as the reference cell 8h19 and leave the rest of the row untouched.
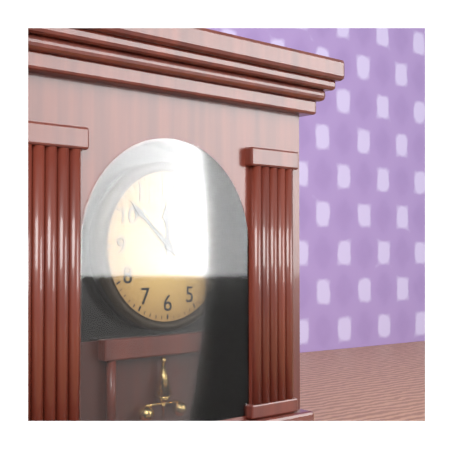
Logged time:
11h52
